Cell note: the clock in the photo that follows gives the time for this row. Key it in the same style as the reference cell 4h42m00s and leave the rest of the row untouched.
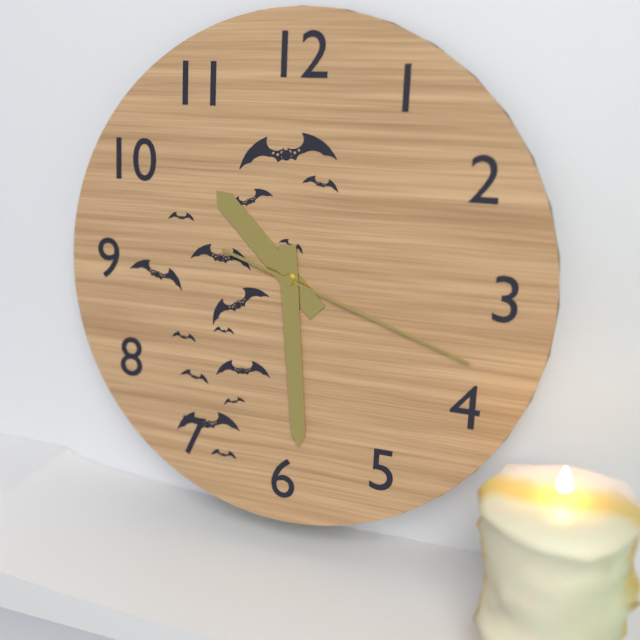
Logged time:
10h29m18s
